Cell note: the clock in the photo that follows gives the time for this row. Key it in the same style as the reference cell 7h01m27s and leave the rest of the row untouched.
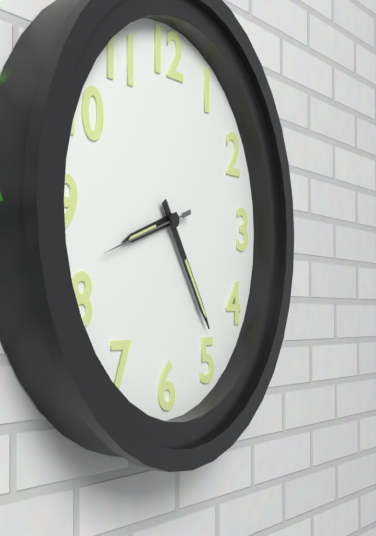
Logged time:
8h24m42s
